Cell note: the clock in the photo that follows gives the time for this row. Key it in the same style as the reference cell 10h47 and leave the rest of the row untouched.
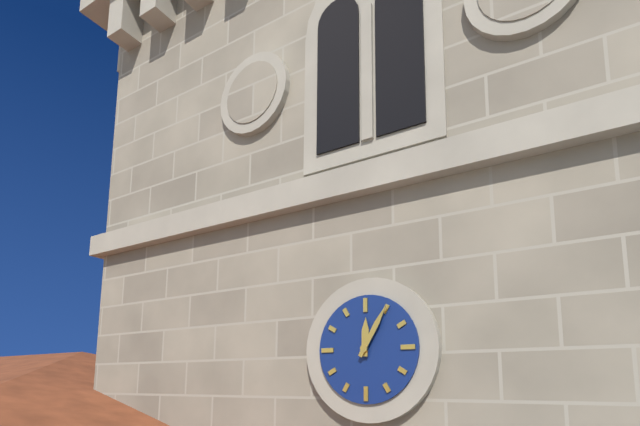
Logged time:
12h05
